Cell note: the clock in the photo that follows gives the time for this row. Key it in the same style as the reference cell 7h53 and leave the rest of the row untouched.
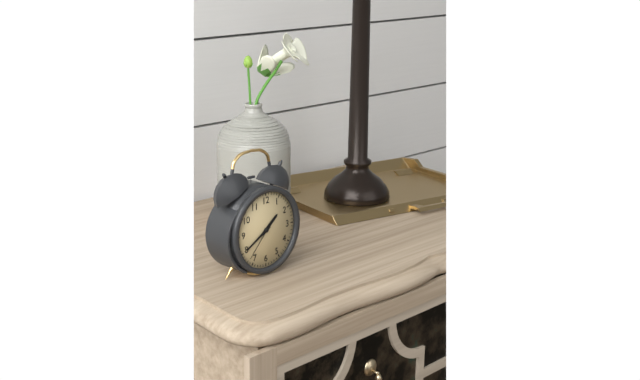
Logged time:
1h40
